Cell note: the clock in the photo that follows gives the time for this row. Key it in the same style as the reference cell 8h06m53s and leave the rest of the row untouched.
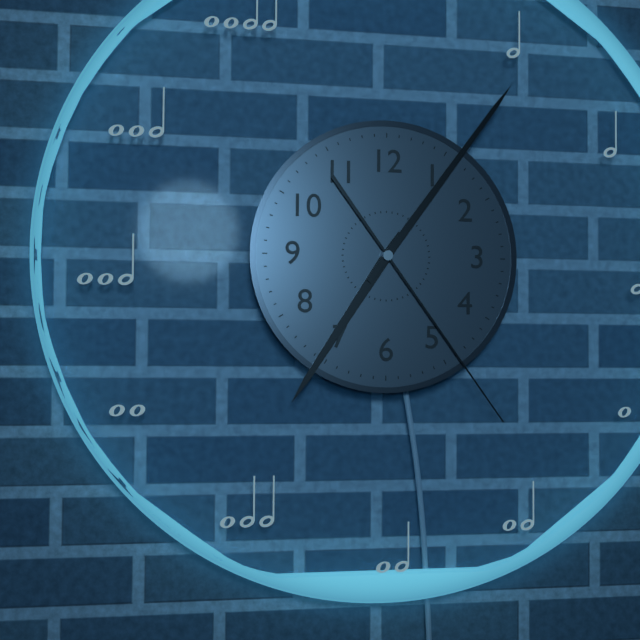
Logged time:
7h06m24s
